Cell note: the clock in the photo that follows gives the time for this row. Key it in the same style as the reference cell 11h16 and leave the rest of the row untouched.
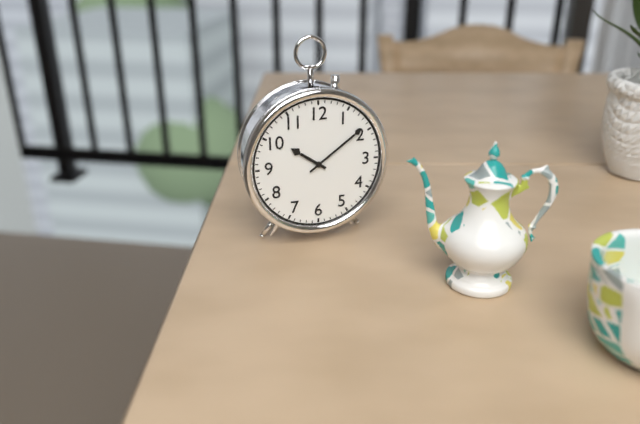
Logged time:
10h09
